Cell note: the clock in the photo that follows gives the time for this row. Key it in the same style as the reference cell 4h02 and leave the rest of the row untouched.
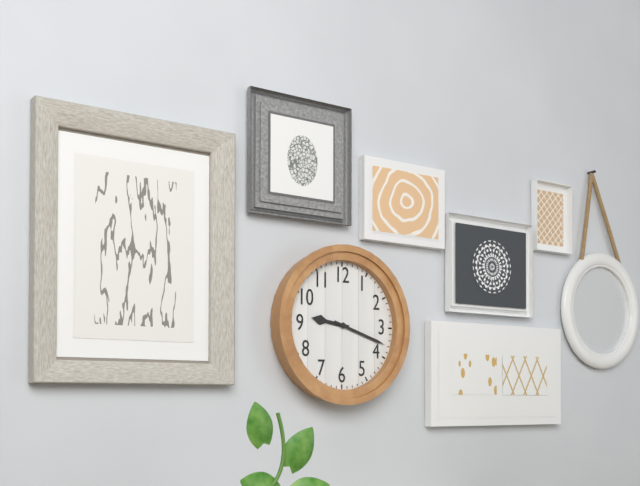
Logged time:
9h18
